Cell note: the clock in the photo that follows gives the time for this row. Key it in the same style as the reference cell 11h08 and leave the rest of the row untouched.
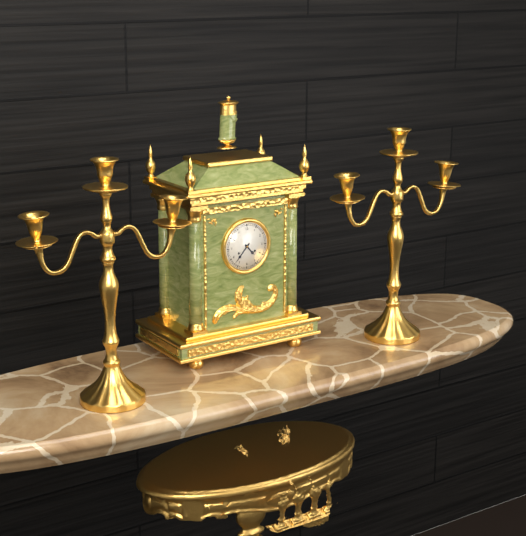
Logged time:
4h37
